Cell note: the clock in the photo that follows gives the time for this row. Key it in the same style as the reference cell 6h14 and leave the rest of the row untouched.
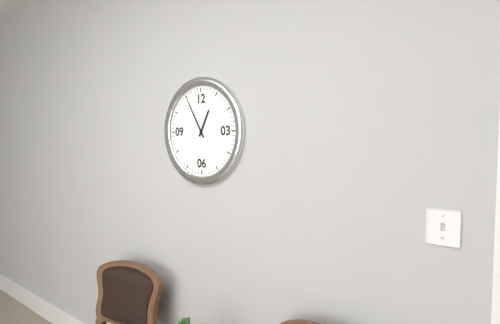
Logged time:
12h55
